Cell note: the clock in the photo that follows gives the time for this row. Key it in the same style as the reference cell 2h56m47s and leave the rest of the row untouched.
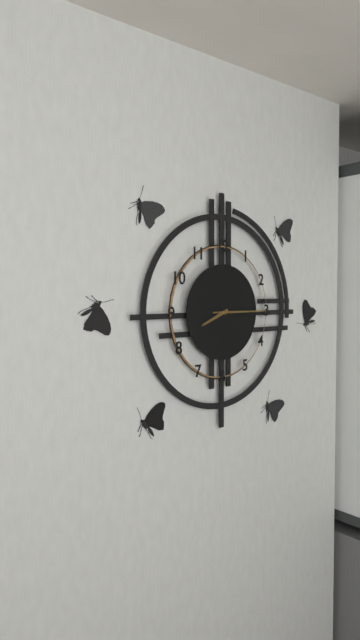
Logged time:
8h15m15s
